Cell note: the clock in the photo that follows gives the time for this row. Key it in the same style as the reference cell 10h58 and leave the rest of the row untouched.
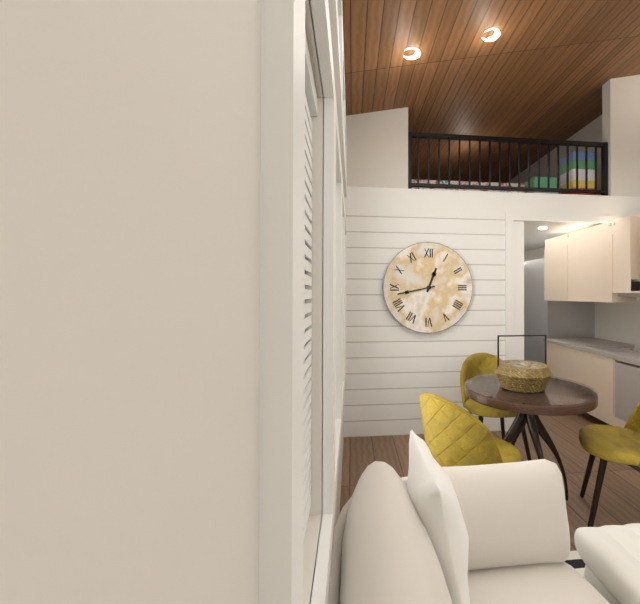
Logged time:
12h43
